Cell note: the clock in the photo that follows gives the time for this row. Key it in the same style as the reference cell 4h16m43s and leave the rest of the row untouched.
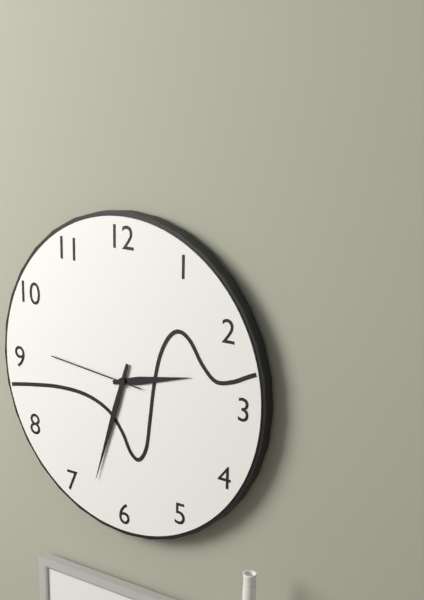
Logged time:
2h33m46s
